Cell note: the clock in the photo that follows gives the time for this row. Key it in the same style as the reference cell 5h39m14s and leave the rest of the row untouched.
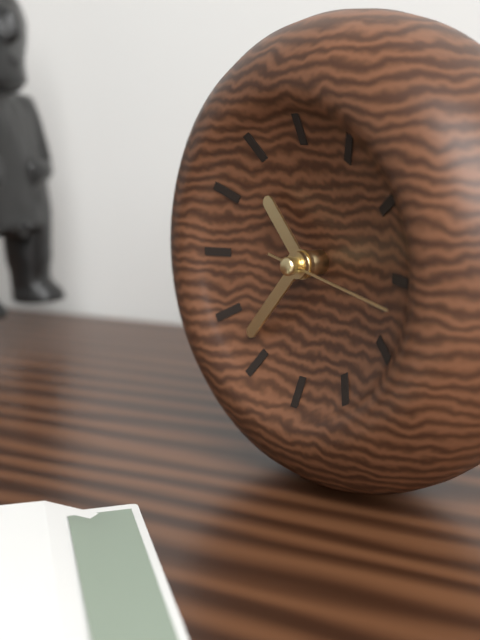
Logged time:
10h37m17s
